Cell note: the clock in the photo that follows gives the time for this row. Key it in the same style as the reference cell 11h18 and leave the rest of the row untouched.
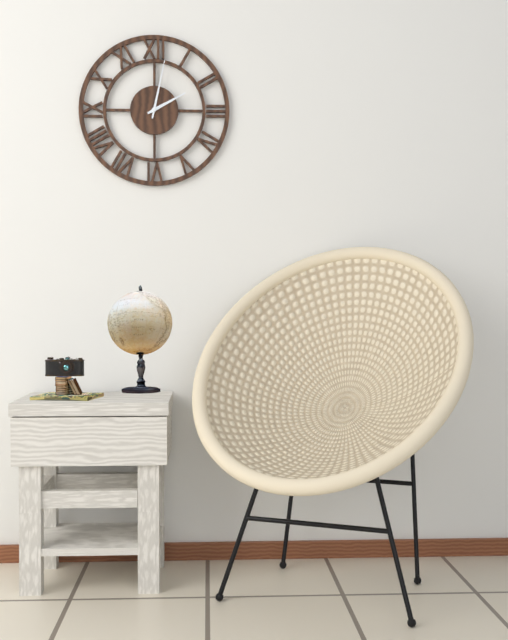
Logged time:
2h02
